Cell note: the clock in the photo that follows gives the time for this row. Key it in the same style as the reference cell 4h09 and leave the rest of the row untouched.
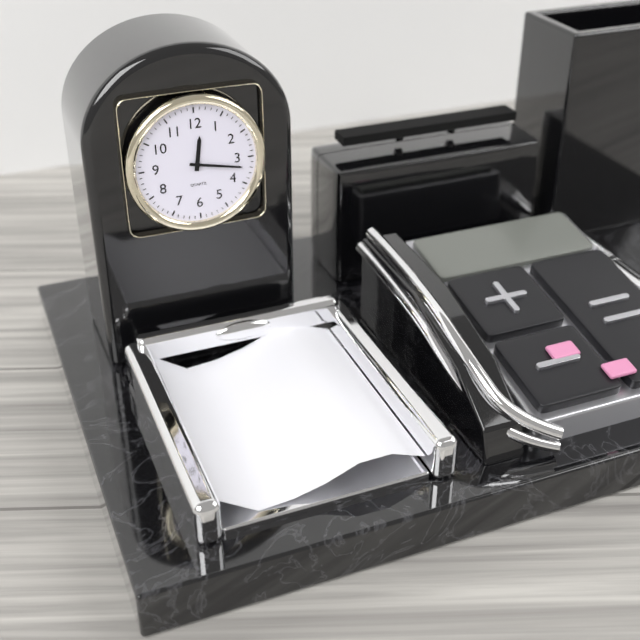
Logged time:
12h17
